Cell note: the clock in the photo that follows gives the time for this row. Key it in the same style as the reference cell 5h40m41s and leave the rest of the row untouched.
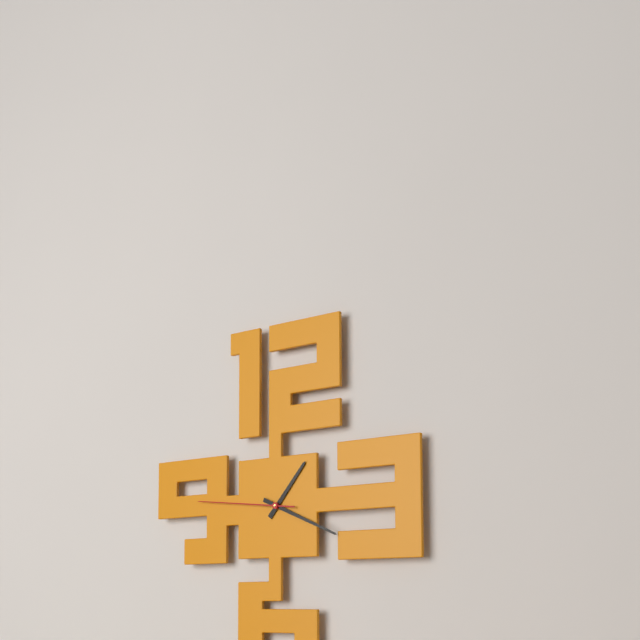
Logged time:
1h19m46s
